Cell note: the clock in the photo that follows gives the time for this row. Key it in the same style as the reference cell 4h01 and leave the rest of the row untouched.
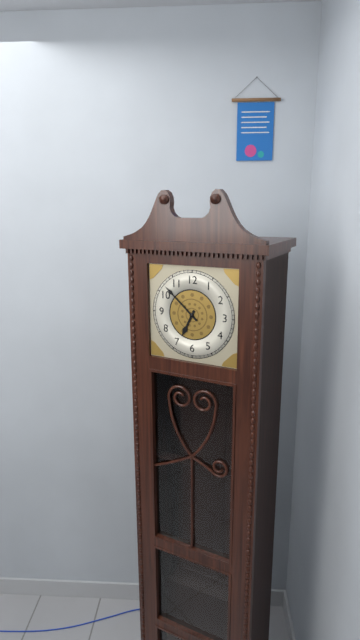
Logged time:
6h52
